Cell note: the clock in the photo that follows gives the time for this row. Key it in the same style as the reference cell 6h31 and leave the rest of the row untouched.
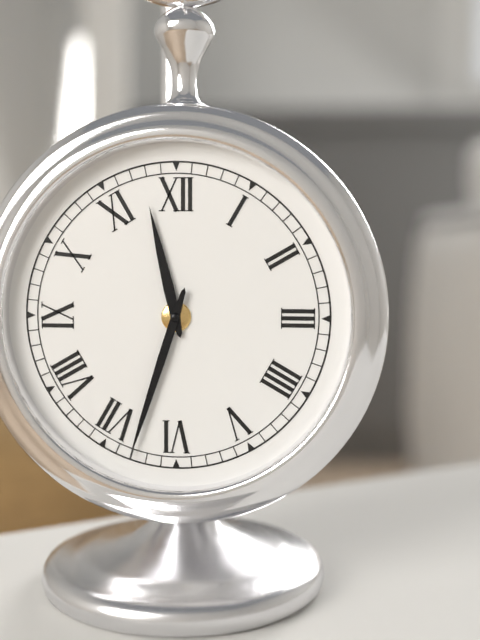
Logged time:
11h33
